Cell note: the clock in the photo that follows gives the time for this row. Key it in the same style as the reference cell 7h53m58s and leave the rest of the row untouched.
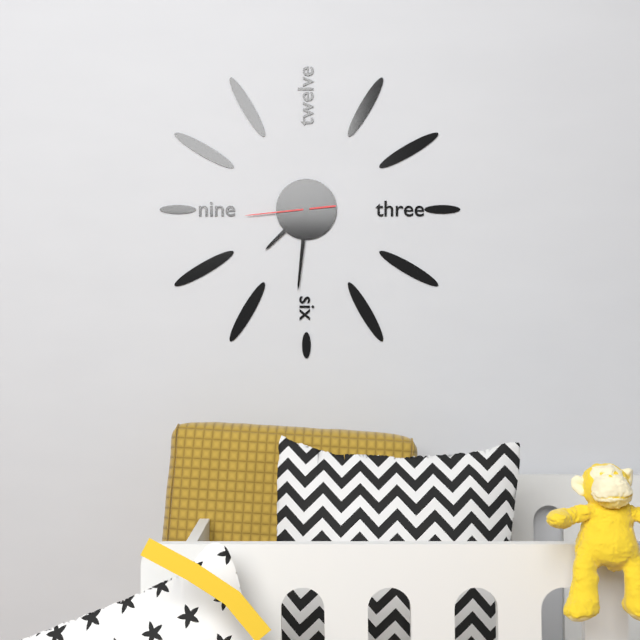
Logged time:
7h31m44s
